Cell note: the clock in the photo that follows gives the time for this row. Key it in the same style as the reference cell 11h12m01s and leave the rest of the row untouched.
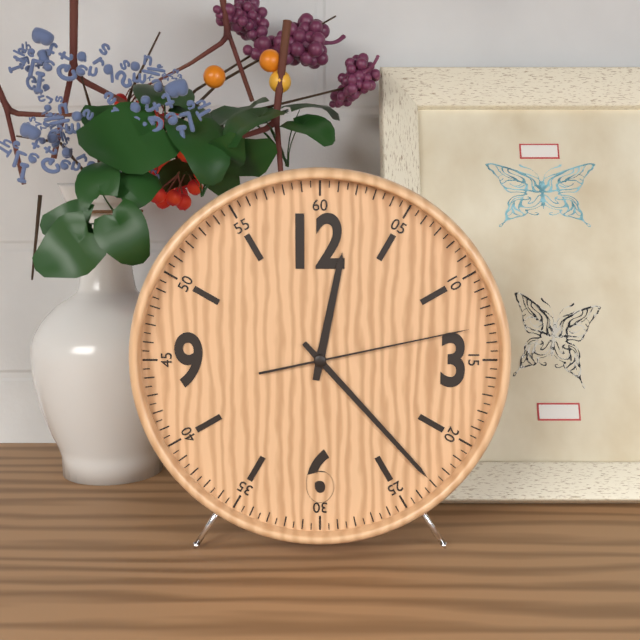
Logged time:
12h23m13s
